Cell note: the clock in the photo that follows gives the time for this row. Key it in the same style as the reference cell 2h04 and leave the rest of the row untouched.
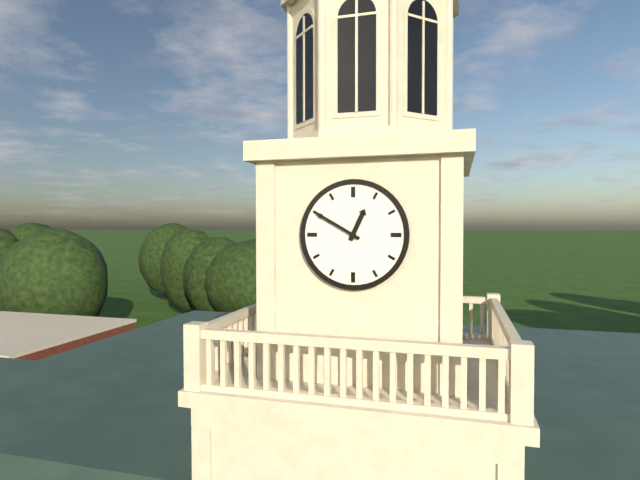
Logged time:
12h50
